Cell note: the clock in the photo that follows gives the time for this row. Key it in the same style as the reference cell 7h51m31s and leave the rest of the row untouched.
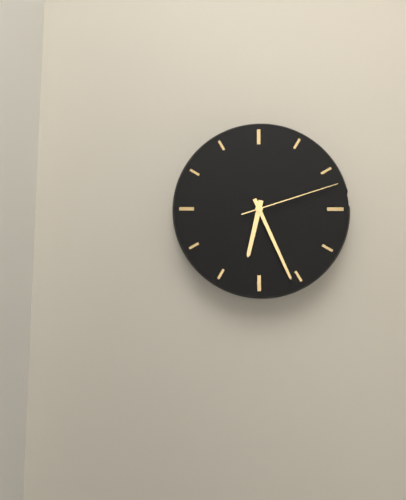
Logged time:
6h26m12s
